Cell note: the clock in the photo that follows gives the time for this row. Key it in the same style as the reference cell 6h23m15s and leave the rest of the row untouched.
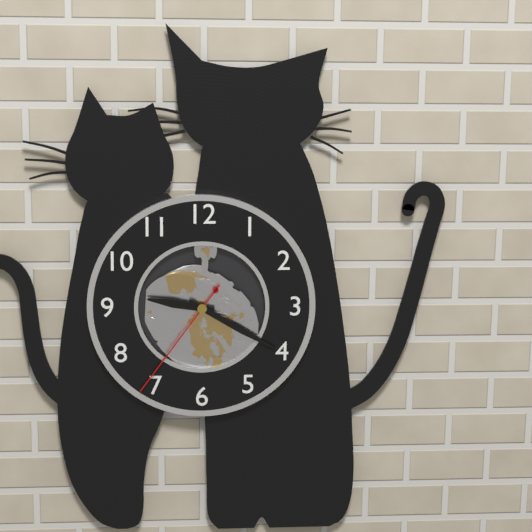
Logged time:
9h20m36s
